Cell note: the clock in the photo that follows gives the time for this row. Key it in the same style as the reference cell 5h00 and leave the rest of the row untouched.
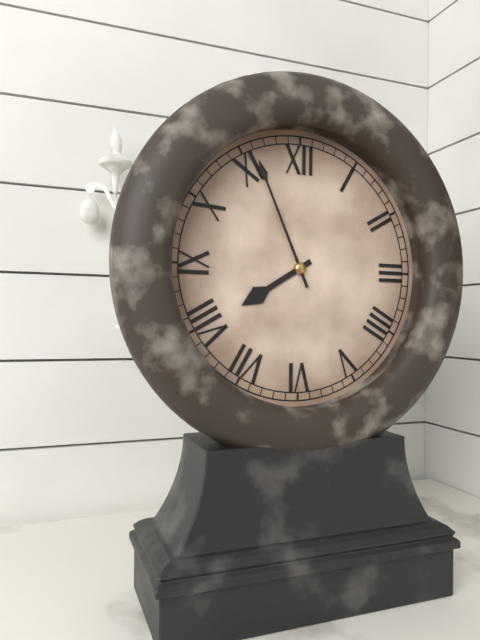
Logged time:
7h56
